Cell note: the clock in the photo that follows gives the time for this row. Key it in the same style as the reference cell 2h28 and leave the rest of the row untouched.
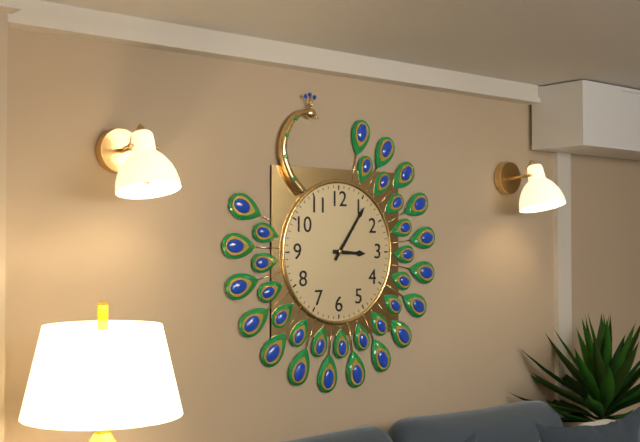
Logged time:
3h06
